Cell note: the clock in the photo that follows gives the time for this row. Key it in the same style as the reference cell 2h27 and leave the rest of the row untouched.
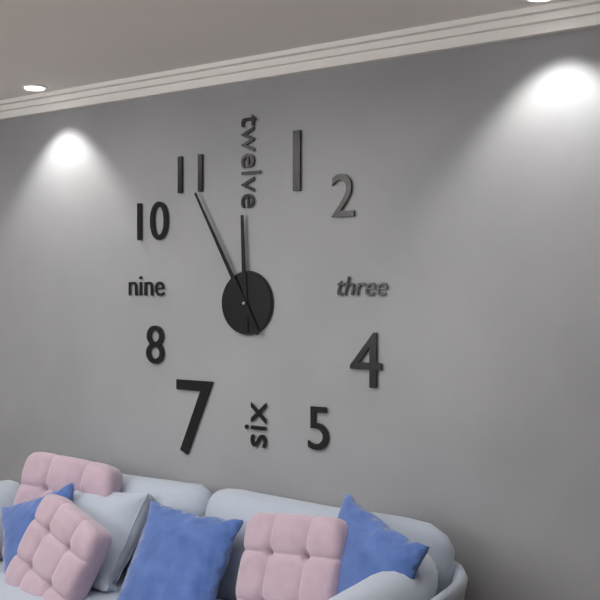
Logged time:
11h55
